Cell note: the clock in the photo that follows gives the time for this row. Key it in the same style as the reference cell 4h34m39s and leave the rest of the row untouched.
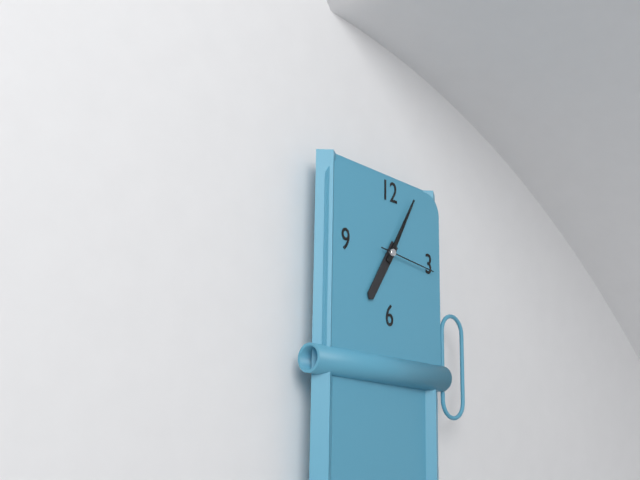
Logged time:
7h05m16s
